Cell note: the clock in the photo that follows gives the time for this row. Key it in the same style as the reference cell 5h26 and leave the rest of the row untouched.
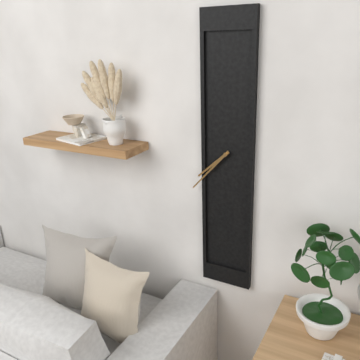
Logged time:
7h37
